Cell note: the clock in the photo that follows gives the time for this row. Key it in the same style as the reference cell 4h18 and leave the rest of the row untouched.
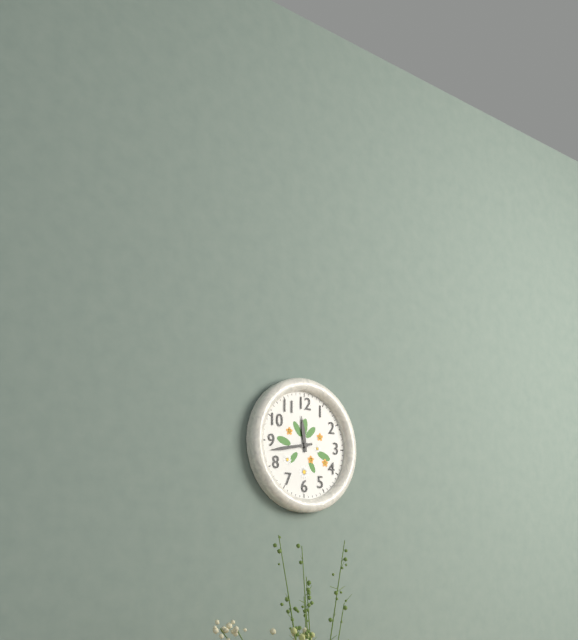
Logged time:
11h43
